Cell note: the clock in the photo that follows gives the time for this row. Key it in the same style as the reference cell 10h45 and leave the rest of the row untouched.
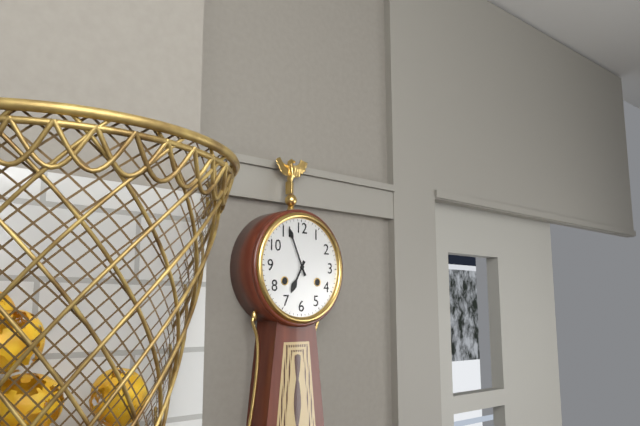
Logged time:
6h56
